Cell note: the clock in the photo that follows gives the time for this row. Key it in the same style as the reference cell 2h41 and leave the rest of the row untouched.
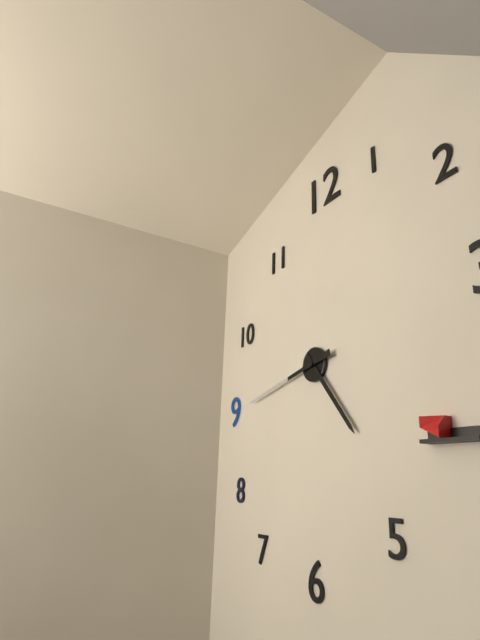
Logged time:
4h43
